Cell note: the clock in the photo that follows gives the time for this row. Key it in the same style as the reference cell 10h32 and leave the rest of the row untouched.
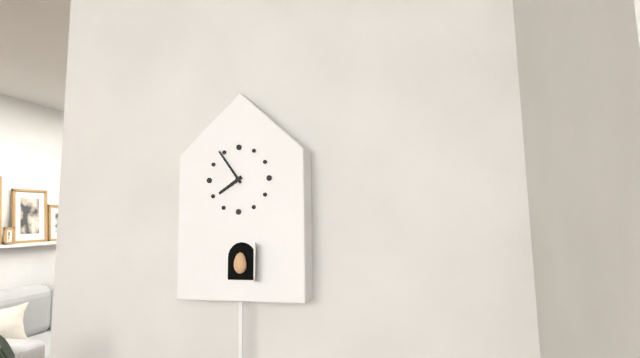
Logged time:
7h54
